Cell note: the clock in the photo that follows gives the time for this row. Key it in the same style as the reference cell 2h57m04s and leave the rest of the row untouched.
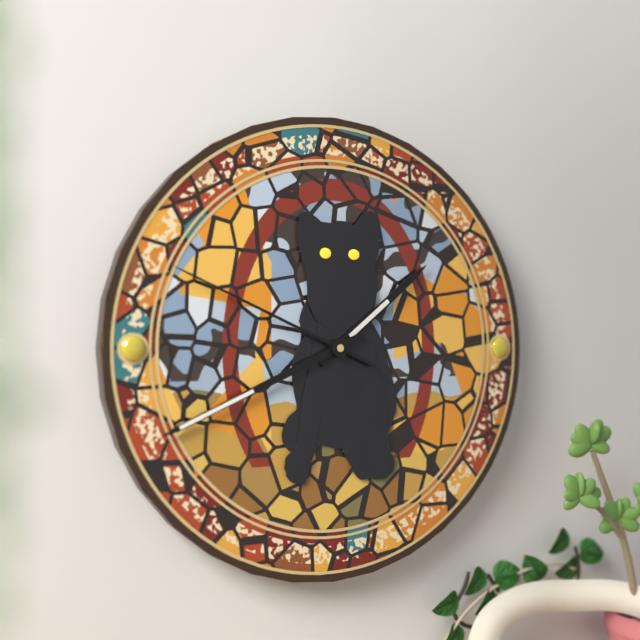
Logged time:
1h41m49s
